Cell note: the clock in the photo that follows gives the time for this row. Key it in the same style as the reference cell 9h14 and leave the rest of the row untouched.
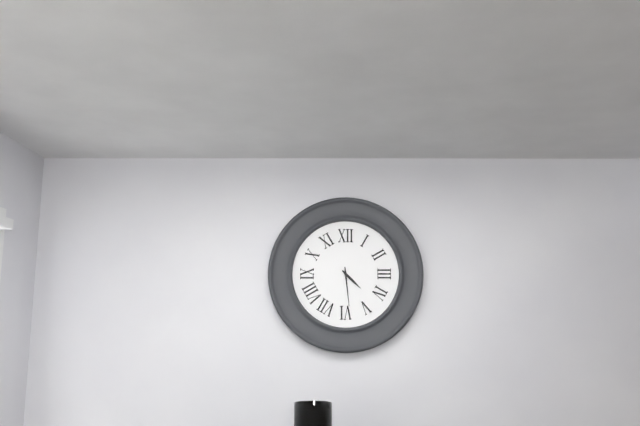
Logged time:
4h29
